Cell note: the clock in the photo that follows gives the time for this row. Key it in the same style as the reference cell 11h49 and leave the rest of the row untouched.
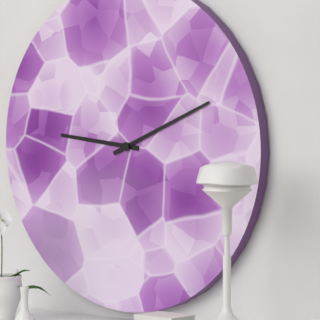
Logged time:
9h11
